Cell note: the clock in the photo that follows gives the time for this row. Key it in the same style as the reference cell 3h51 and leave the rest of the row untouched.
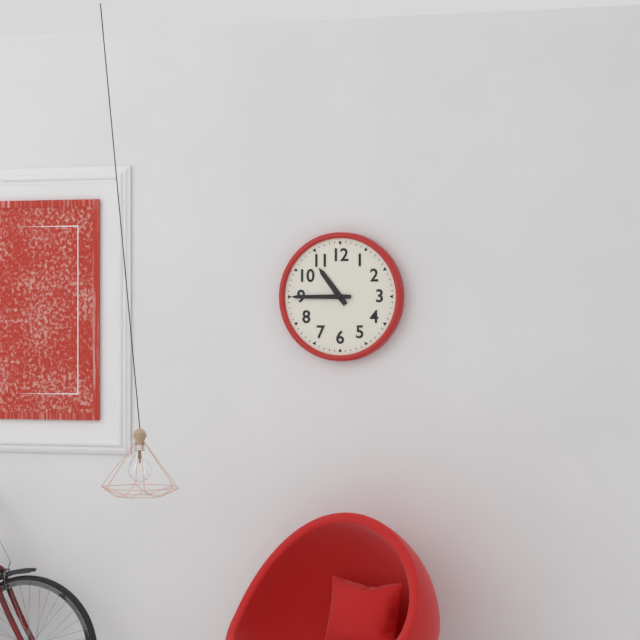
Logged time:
10h45
